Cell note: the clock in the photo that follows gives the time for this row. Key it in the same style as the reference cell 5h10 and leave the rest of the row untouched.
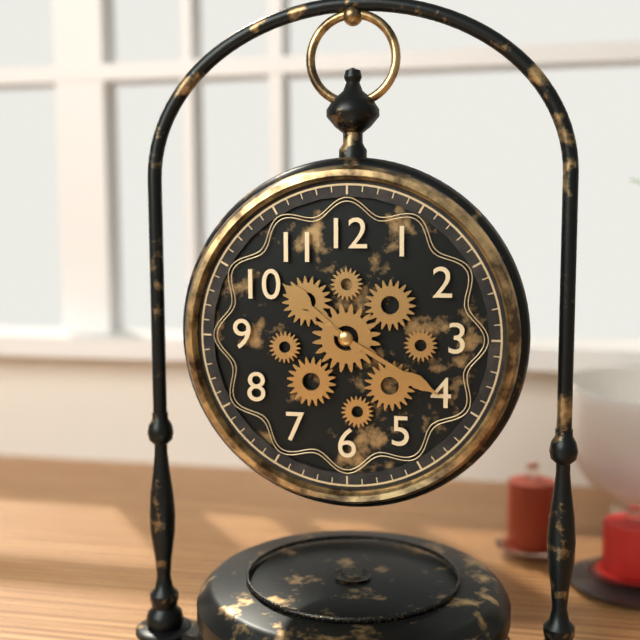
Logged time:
10h20
